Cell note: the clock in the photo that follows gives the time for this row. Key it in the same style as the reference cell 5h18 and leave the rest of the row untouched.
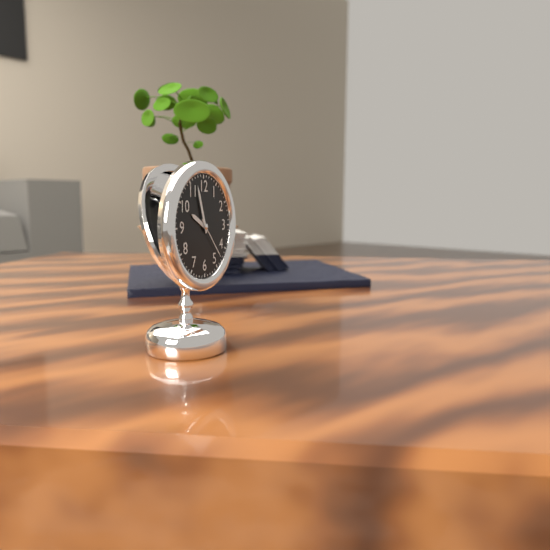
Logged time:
9h57
